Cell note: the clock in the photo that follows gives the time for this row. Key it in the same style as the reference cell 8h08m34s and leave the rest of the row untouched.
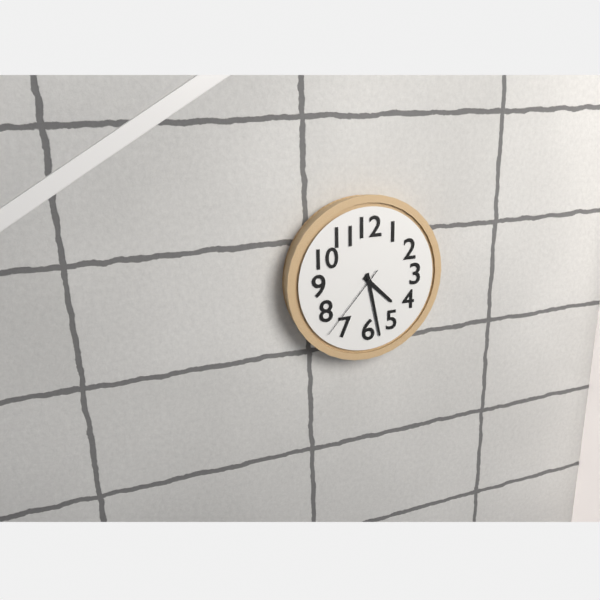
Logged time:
4h28m37s
